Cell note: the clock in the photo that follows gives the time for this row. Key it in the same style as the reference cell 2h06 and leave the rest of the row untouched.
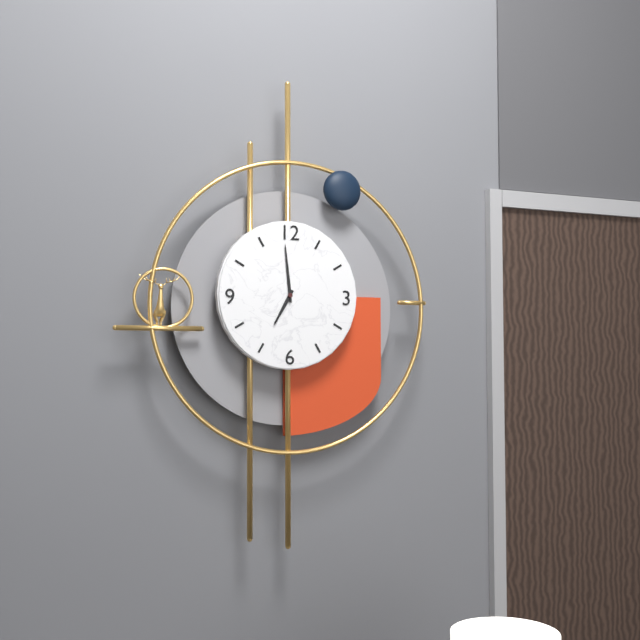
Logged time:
6h59
